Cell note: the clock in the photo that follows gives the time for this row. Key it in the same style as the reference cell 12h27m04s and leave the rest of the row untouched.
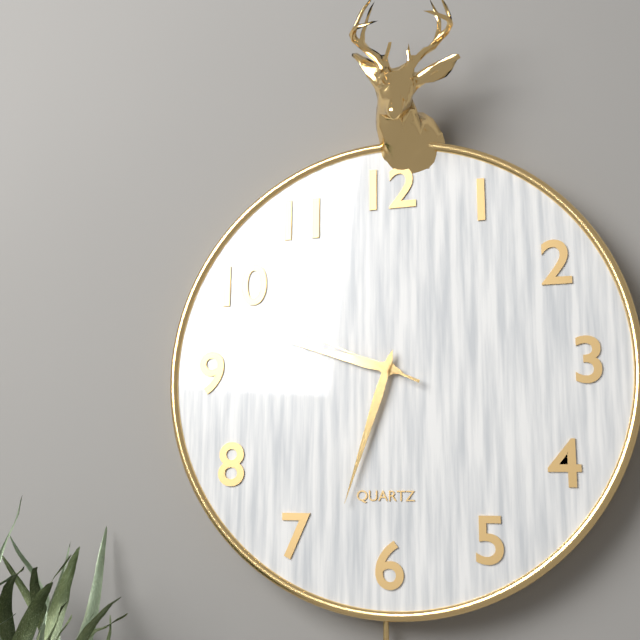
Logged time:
9h33m49s
